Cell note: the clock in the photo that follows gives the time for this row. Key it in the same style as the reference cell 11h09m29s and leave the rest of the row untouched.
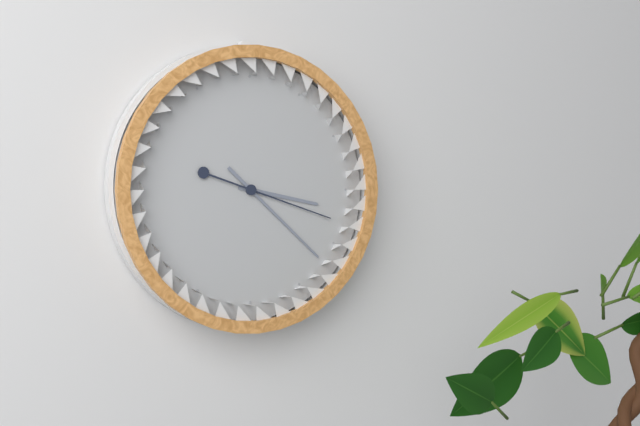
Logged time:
3h22m18s
